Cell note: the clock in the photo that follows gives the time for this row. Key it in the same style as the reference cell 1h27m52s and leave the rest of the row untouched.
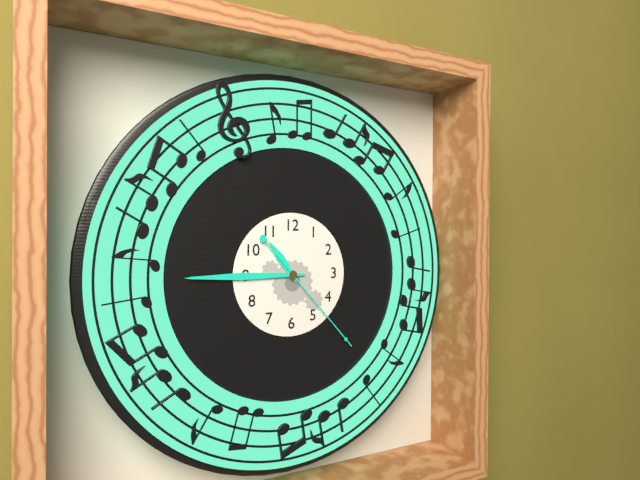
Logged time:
10h45m23s
